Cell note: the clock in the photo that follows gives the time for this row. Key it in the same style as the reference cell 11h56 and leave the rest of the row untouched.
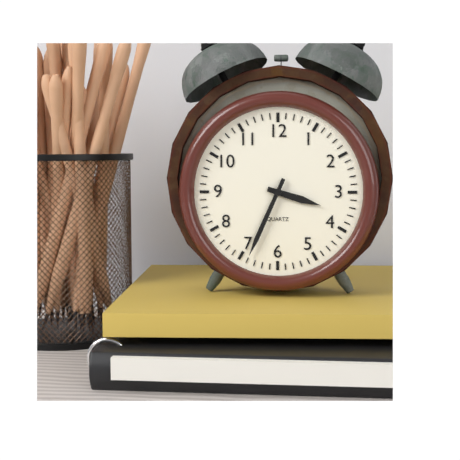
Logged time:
3h34
